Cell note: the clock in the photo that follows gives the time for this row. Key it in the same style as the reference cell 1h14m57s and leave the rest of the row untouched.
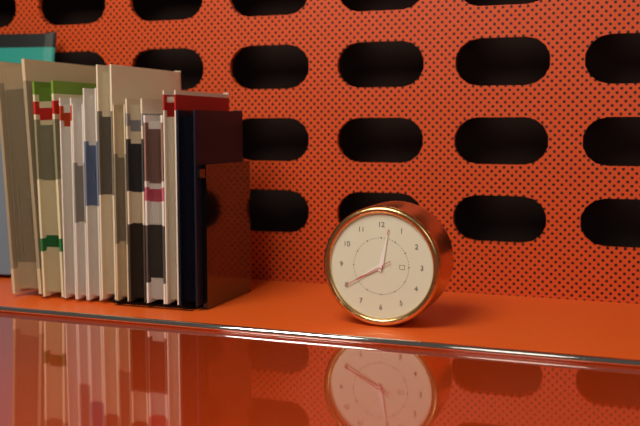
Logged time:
8h02m40s
